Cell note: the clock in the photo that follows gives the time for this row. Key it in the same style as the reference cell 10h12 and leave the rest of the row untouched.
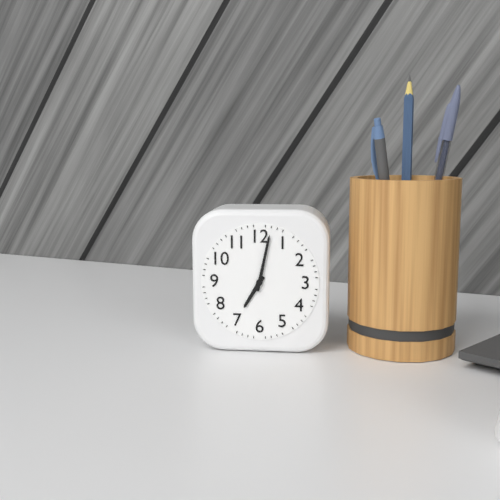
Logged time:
7h02
